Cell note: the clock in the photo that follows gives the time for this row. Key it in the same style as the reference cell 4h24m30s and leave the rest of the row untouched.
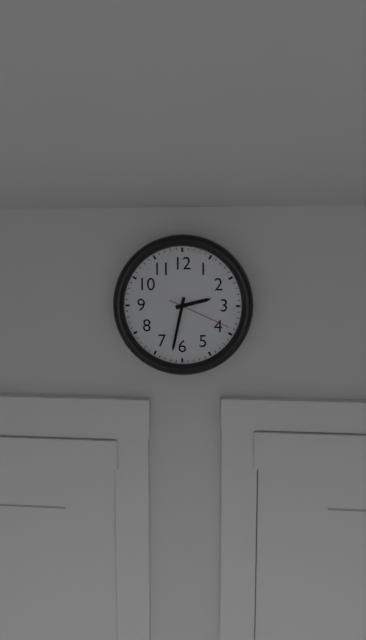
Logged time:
2h32m19s
